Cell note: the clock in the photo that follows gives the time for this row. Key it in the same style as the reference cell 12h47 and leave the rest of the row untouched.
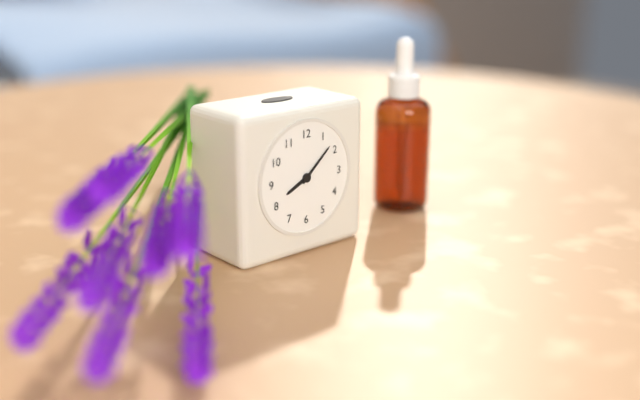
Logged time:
8h08
